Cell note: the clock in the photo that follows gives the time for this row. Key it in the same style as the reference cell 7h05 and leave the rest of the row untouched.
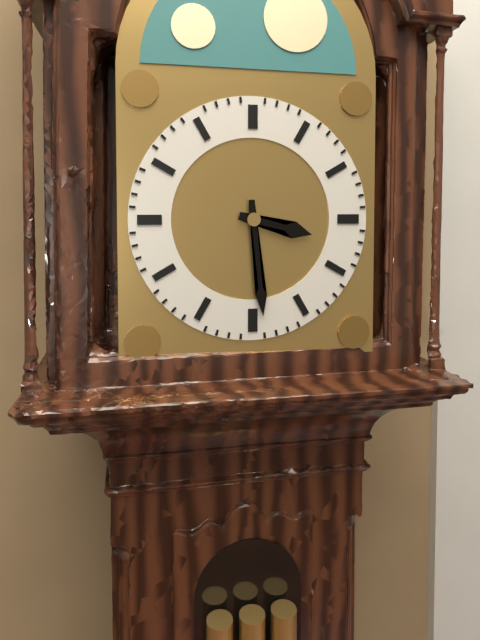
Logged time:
3h29
